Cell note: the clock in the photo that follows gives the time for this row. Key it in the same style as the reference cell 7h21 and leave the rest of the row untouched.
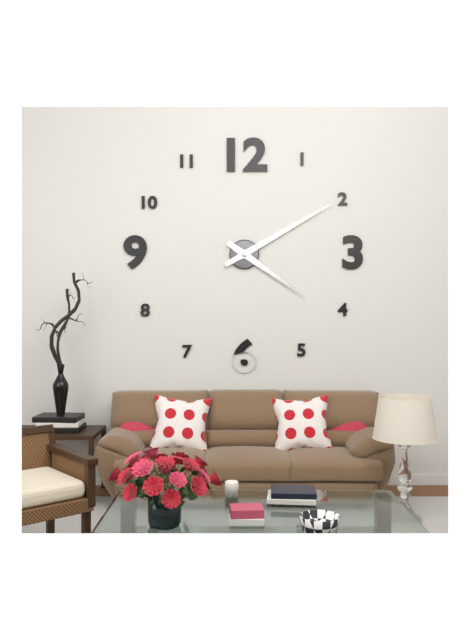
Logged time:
4h10
